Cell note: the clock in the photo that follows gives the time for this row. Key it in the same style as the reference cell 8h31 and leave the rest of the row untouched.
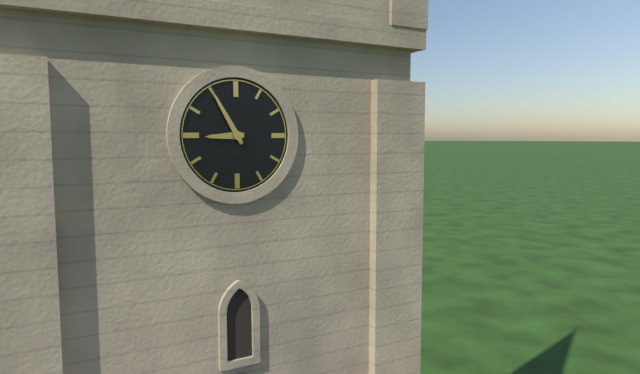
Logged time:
8h55
